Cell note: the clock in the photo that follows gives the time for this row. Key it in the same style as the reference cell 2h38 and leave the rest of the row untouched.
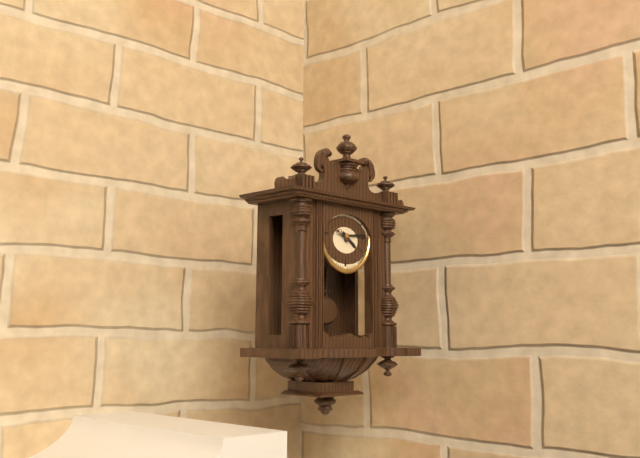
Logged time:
4h14
